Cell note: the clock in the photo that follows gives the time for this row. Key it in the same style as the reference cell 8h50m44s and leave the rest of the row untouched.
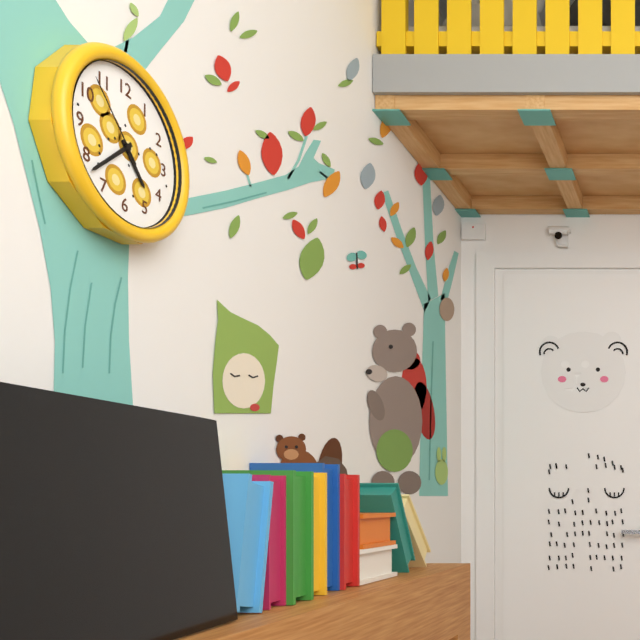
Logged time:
4h38m53s
